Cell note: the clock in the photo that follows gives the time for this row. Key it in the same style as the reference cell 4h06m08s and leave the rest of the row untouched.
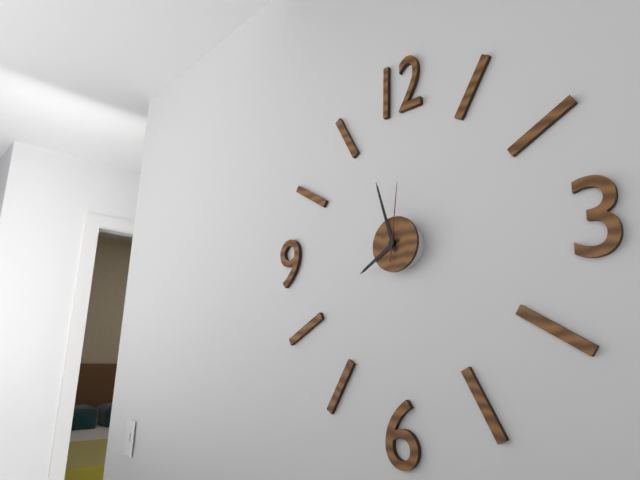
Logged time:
7h57m01s
